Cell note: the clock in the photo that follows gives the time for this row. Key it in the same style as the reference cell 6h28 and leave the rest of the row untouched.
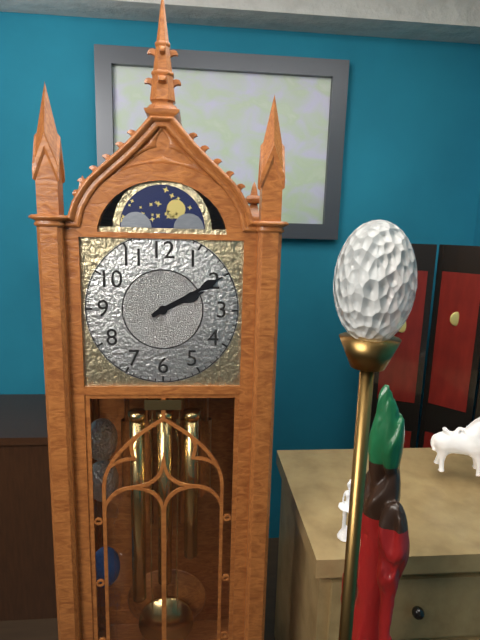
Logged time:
2h10
